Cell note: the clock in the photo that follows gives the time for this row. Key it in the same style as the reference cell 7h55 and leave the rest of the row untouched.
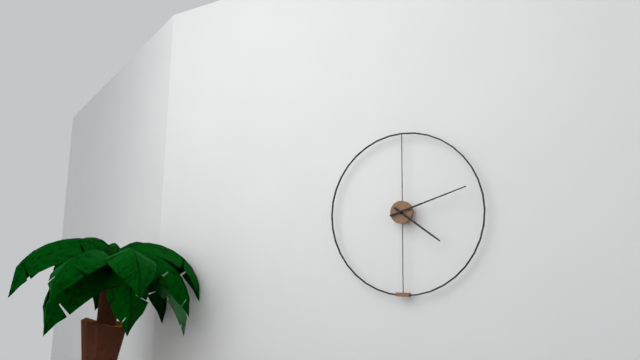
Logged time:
4h12
